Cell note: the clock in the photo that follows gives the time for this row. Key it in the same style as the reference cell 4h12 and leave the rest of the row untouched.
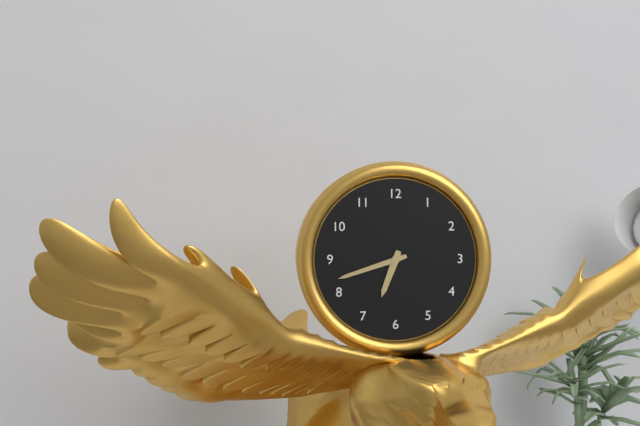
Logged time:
6h42
